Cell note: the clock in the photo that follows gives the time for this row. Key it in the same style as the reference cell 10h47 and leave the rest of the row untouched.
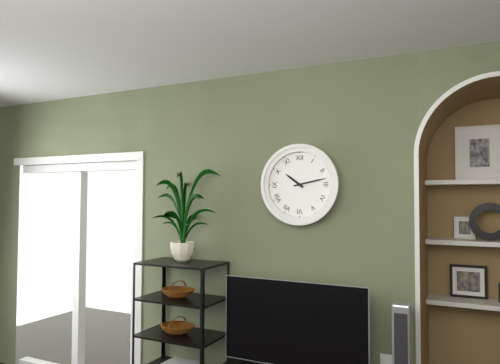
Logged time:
10h13
